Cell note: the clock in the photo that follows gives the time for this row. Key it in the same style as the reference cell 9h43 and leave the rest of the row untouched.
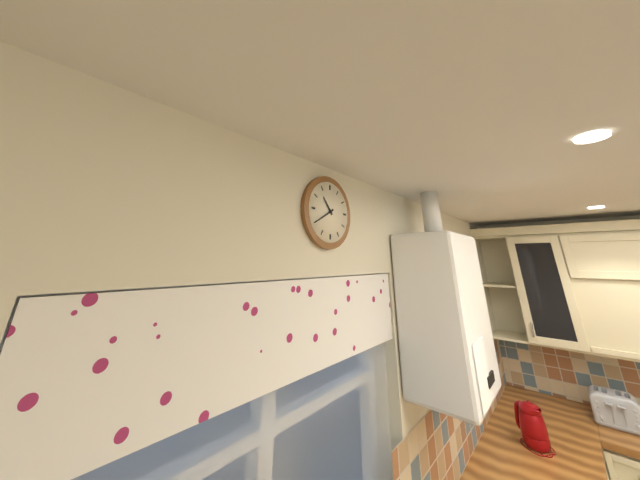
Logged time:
10h40
